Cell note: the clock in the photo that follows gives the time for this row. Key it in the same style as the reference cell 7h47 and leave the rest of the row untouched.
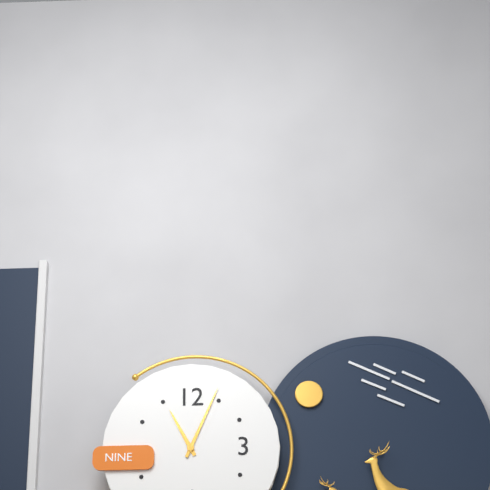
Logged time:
11h04
